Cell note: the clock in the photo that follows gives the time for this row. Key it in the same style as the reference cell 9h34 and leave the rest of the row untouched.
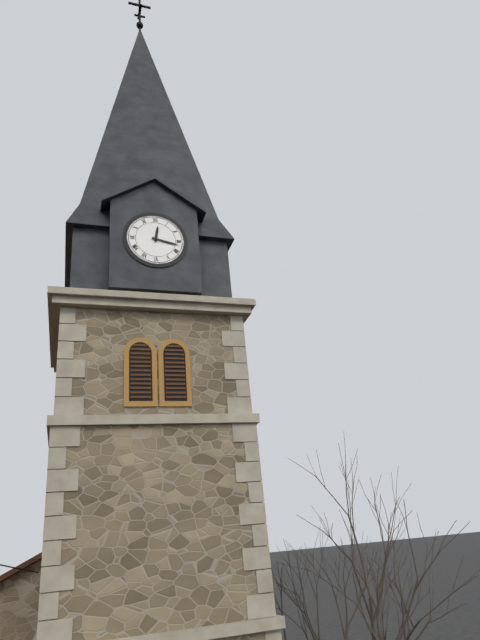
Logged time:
12h17
